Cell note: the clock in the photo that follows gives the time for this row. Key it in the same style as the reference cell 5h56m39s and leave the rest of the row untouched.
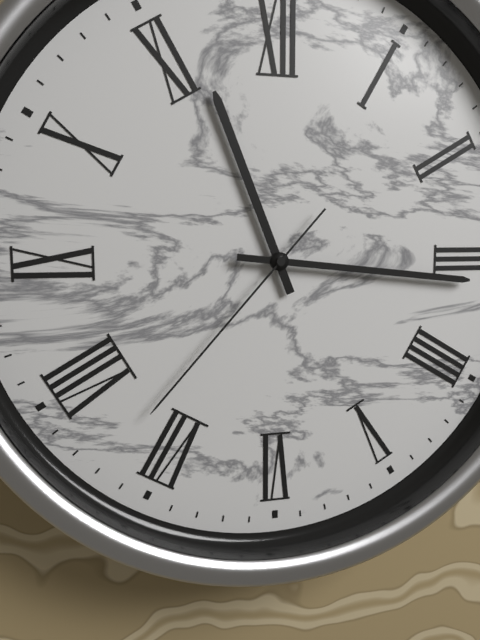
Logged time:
11h16m37s
